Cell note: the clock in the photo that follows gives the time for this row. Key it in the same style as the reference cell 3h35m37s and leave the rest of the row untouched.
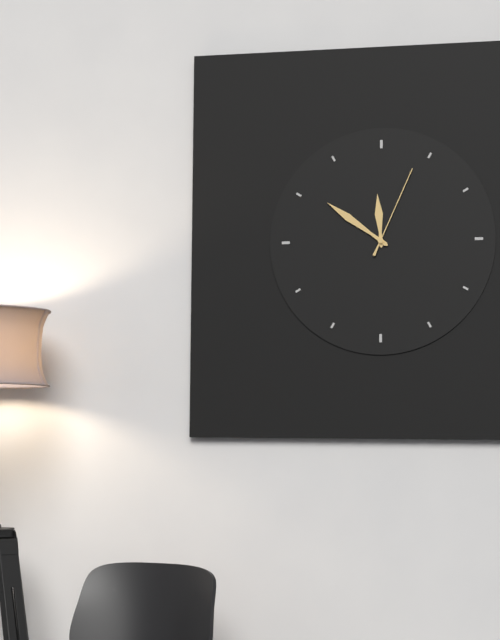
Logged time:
11h51m04s
